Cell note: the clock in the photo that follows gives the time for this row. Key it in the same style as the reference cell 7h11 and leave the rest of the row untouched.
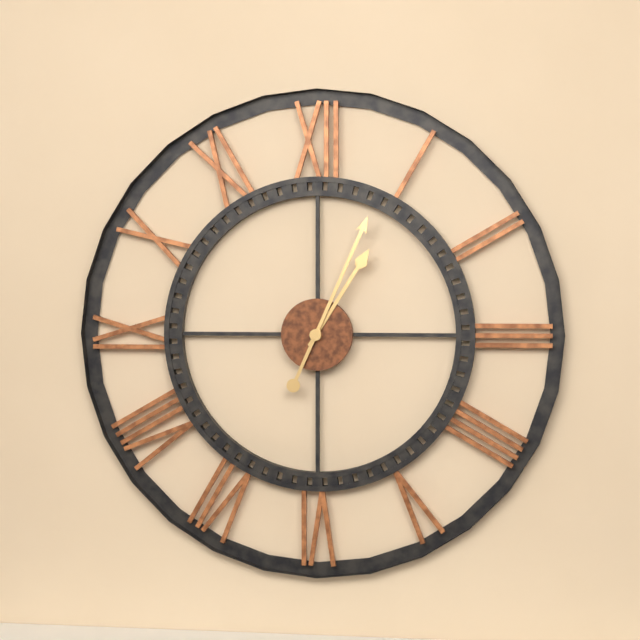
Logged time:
1h04
